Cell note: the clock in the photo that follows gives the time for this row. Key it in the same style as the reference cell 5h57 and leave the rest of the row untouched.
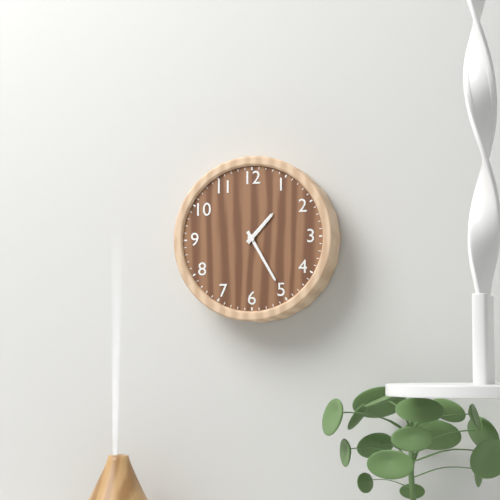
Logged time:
1h25
